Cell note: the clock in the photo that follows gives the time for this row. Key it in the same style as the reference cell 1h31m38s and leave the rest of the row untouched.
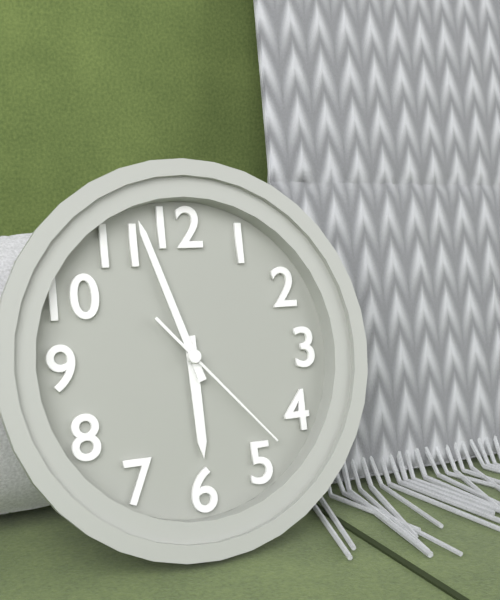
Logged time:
5h57m23s
